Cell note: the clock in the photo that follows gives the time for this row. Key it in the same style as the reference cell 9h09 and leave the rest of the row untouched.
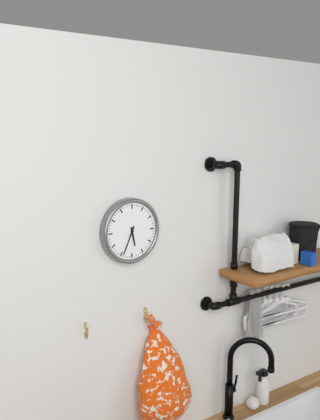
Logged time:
5h34
